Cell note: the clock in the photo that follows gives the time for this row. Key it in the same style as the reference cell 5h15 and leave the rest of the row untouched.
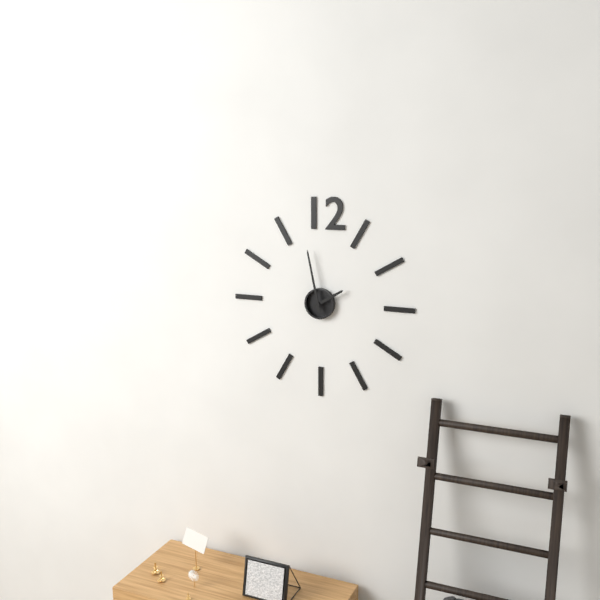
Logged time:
1h58
